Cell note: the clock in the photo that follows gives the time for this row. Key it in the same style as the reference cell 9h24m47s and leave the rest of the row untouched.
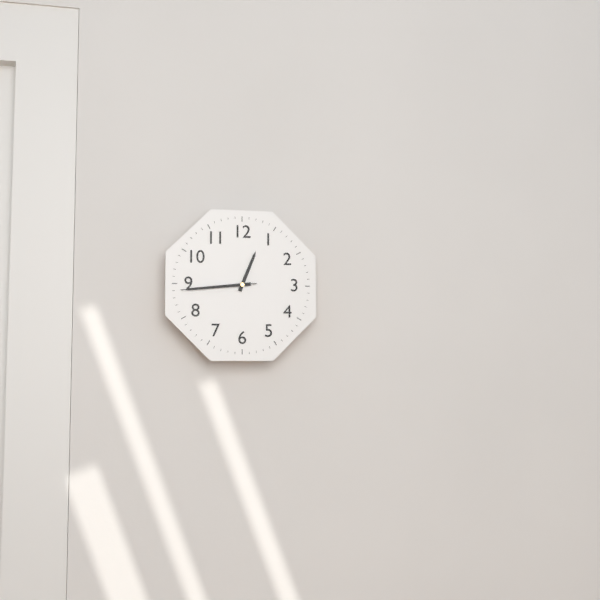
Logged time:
12h44m44s
